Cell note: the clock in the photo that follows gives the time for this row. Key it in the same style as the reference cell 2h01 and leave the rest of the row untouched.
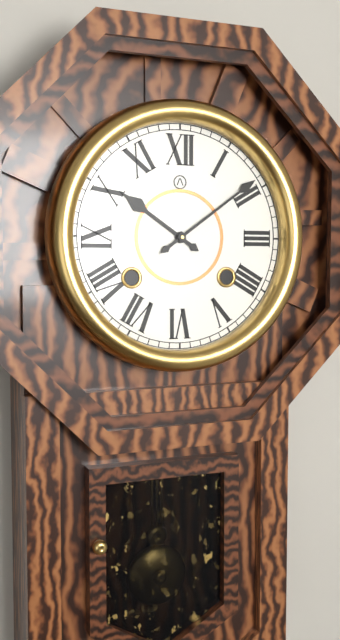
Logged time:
10h09
